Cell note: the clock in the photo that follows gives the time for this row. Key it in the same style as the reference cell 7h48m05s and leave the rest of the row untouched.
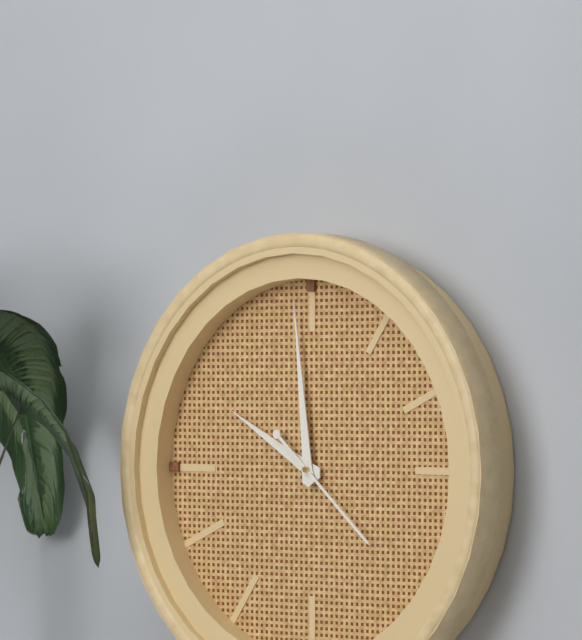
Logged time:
9h59m22s
